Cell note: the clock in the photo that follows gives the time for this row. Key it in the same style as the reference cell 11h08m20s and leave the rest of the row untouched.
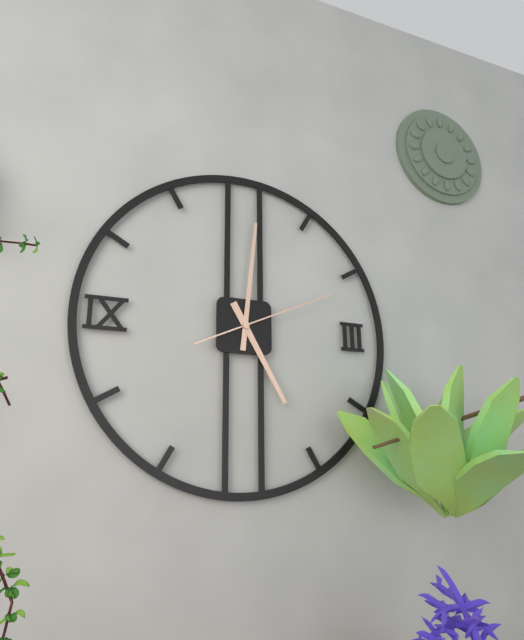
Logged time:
5h01m11s
